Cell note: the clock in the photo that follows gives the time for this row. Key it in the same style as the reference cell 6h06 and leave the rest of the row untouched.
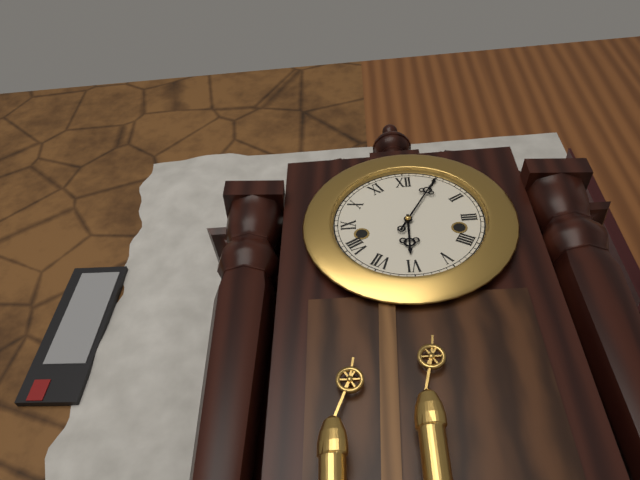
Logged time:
6h05
